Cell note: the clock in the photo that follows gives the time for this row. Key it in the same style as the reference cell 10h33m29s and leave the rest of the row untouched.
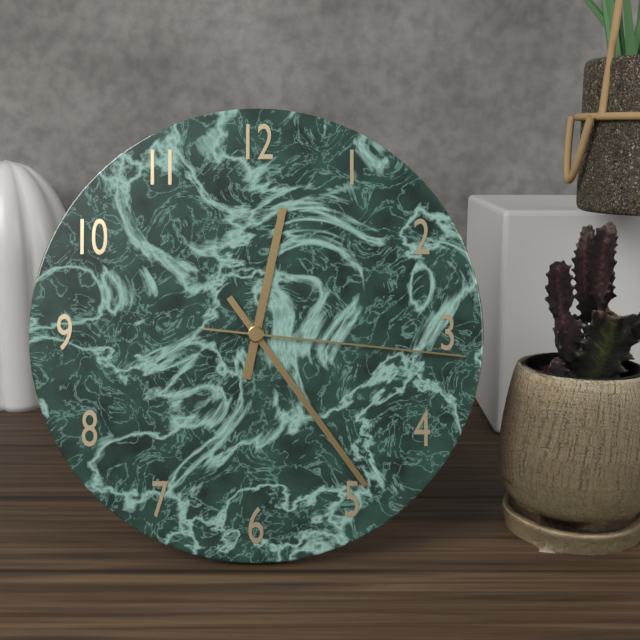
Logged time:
12h24m16s
